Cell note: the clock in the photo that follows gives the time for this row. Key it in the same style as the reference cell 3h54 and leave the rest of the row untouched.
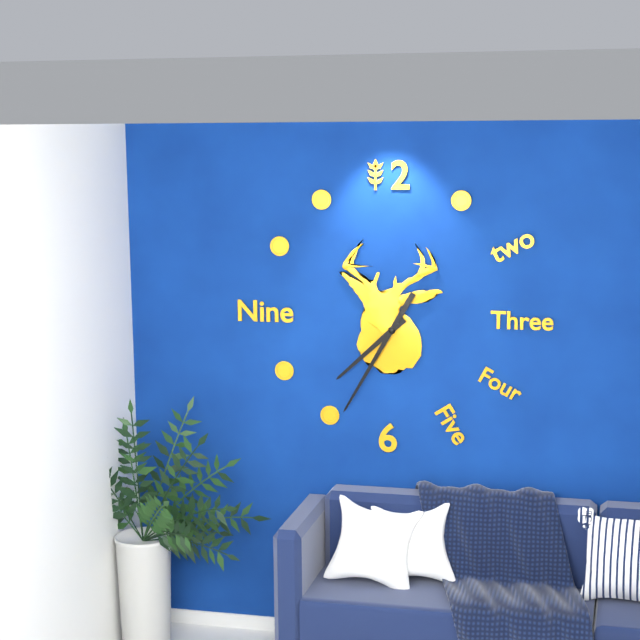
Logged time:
7h35
